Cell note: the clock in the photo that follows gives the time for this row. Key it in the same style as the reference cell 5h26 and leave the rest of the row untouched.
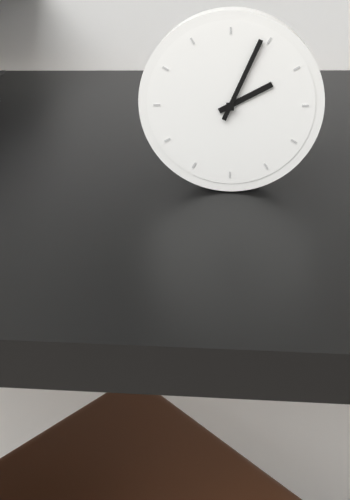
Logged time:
2h04
